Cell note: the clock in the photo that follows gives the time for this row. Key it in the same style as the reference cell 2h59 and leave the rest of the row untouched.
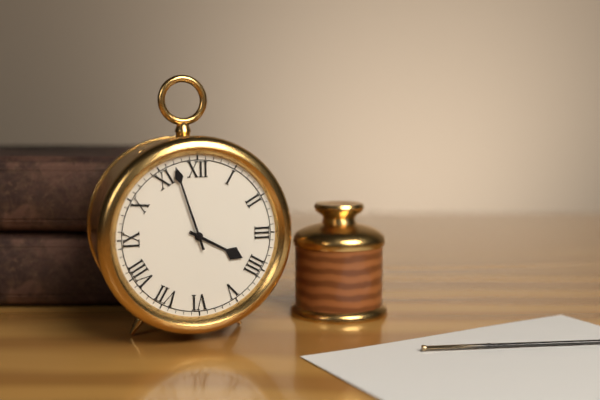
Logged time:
3h57
